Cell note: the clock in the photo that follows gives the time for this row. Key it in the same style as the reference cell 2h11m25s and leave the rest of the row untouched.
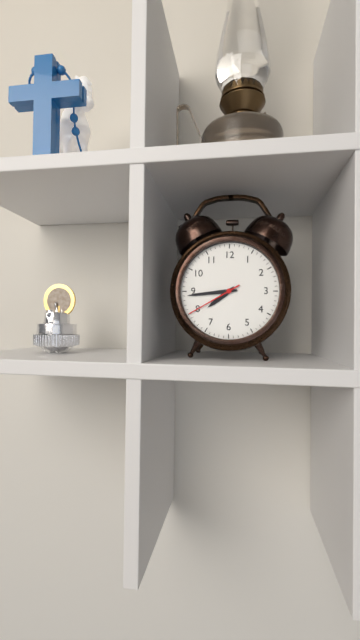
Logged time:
7h44m40s
